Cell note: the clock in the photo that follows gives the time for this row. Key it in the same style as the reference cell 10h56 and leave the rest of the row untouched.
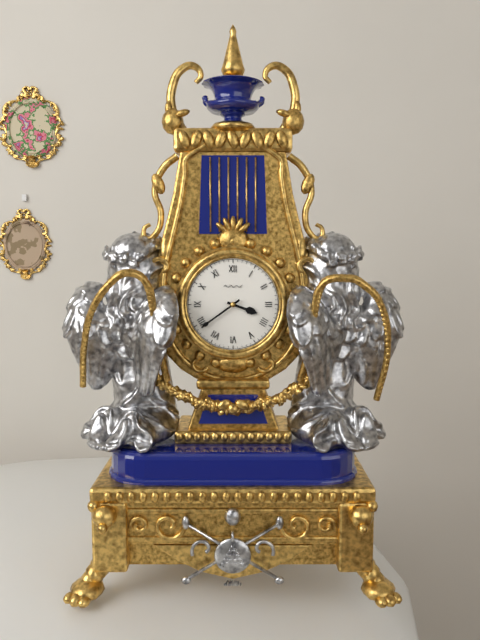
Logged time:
3h39
